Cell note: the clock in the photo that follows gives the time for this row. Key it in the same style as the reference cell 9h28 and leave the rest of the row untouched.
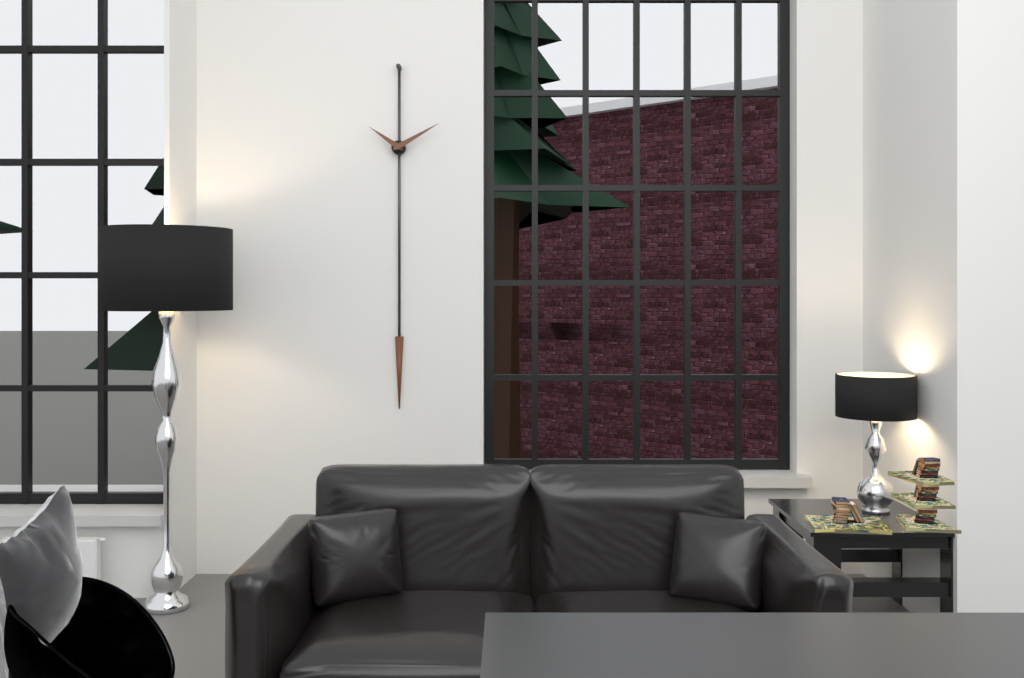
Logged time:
10h10
